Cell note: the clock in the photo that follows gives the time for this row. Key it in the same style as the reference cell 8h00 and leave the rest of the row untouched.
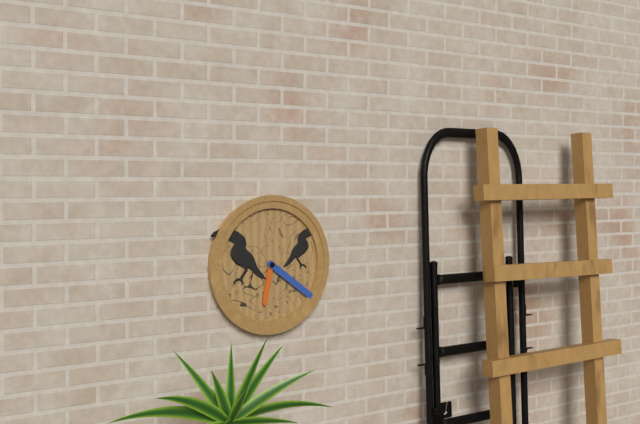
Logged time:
6h21
